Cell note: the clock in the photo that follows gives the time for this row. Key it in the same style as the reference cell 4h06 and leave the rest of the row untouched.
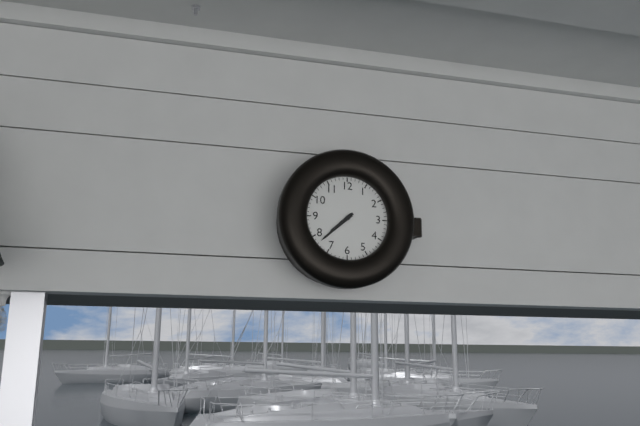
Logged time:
7h38
